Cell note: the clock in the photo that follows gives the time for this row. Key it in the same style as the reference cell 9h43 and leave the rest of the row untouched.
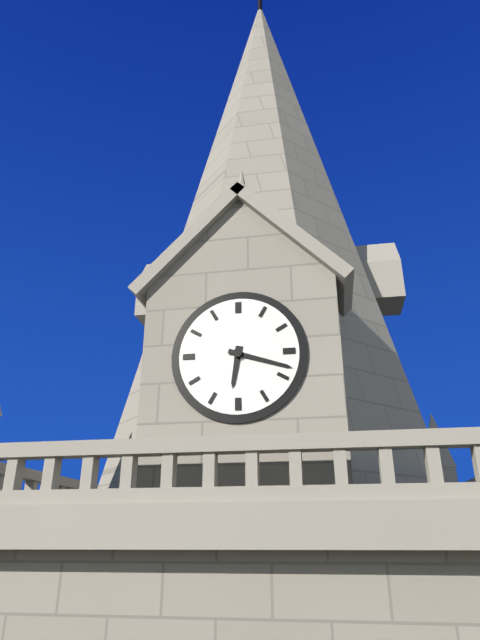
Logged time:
6h18
